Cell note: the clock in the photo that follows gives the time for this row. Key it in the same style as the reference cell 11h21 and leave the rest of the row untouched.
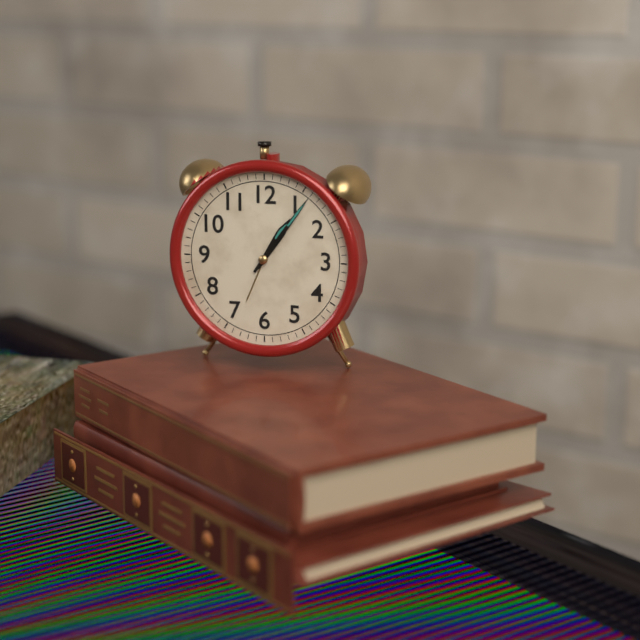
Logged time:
1h06
